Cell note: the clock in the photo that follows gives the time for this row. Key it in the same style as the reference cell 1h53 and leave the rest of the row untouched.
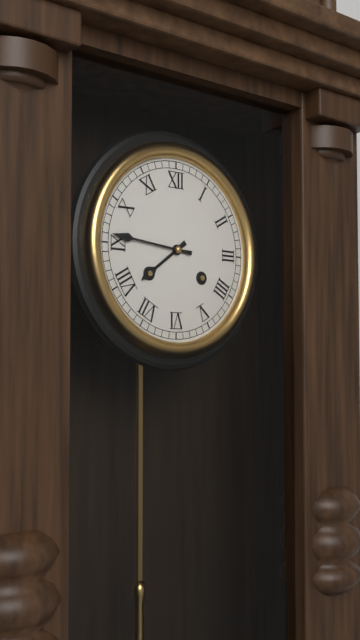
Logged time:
7h46
